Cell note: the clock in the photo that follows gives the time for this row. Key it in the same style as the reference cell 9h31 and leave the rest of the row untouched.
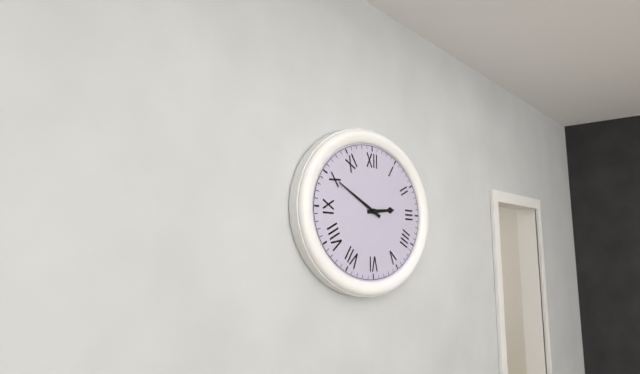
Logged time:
2h49
